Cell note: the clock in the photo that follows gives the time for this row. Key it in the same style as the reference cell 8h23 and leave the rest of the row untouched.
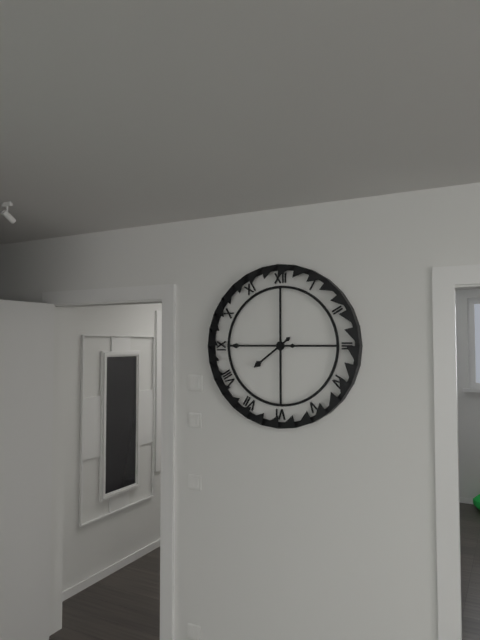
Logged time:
7h45
